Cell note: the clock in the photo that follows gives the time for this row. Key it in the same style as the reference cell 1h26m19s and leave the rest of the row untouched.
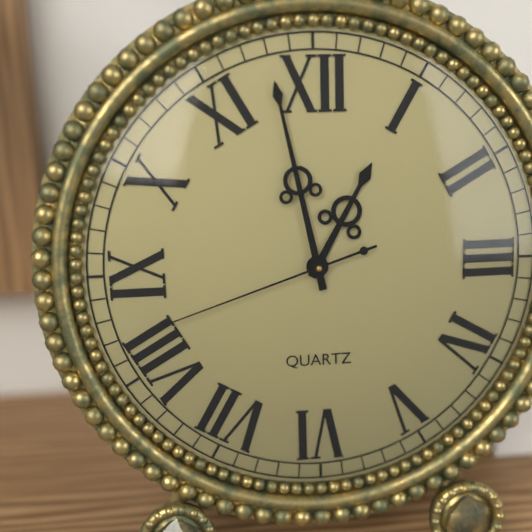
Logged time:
12h58m42s
